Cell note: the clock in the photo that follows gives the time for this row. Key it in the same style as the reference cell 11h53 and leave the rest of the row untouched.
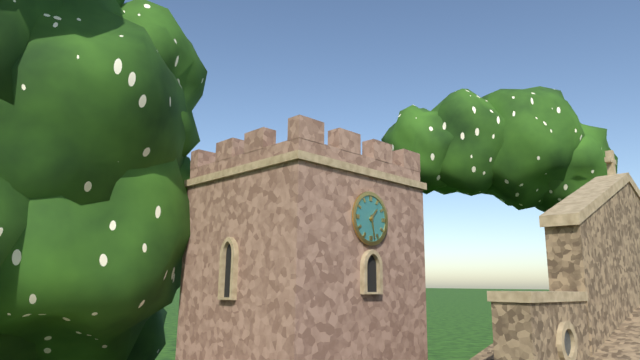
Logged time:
1h28
